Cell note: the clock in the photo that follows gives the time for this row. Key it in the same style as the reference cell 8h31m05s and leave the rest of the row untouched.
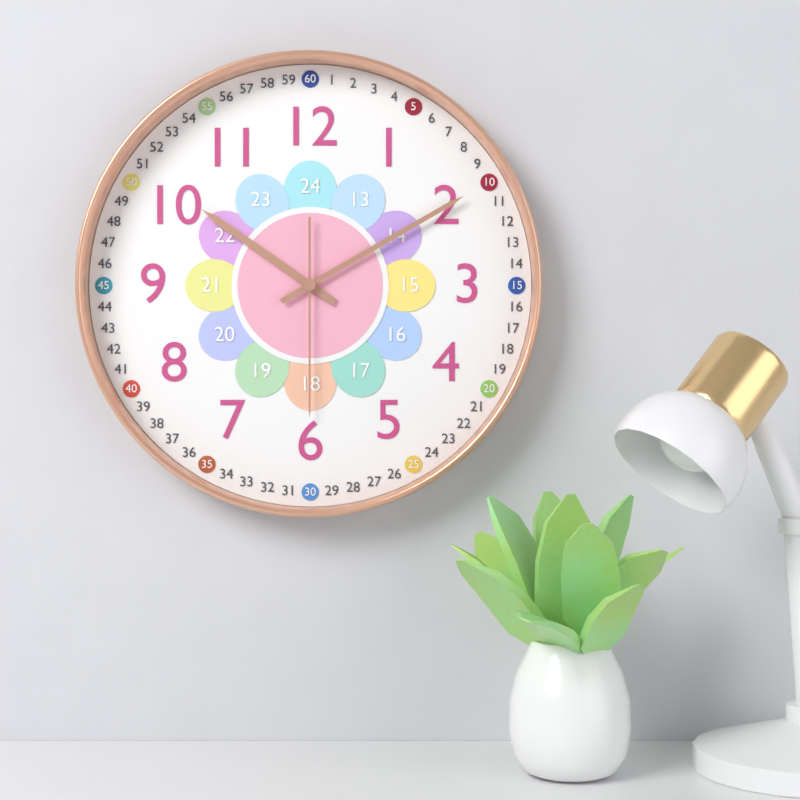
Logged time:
10h10m30s
